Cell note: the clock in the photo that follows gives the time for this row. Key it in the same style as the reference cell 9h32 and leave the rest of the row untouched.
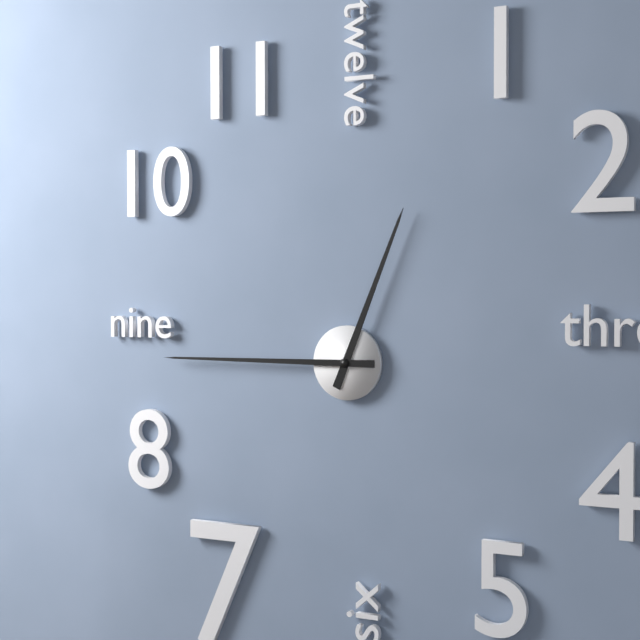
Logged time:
12h45
